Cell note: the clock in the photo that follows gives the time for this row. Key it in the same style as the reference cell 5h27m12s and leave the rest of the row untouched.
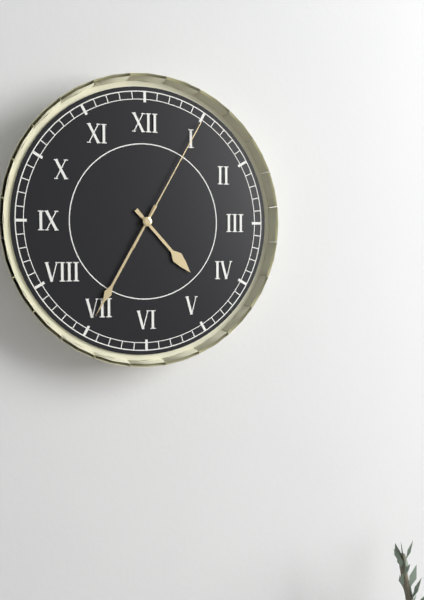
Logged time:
4h35m05s
